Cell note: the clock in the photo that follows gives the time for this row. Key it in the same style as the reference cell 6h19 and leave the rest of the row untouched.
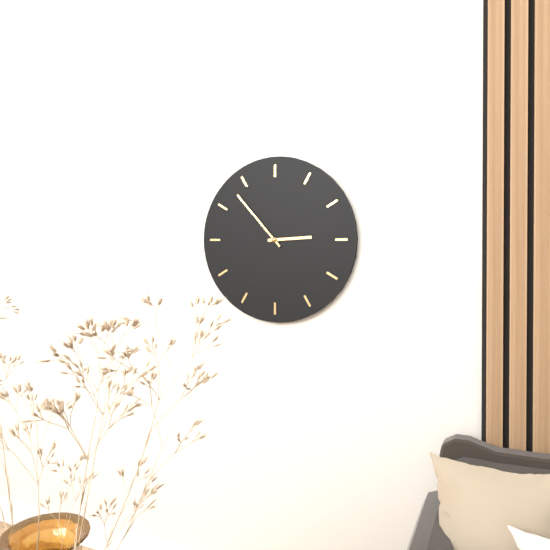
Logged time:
2h53
